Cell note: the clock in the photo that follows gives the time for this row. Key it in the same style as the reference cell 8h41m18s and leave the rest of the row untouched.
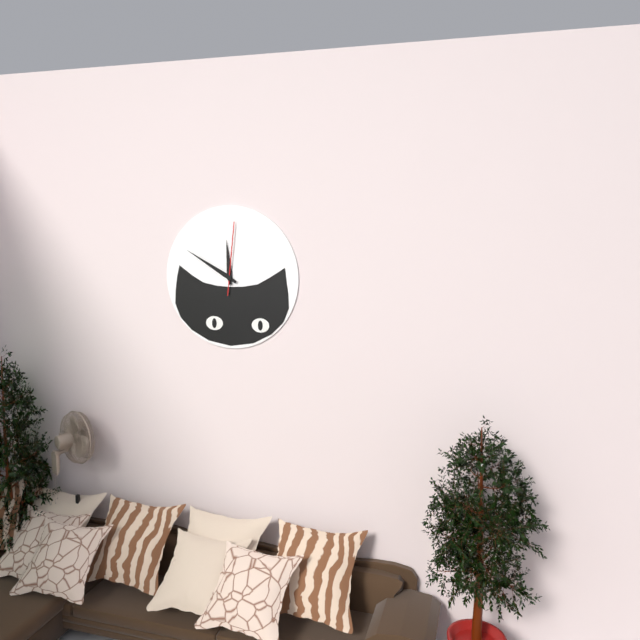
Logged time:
11h50m01s
